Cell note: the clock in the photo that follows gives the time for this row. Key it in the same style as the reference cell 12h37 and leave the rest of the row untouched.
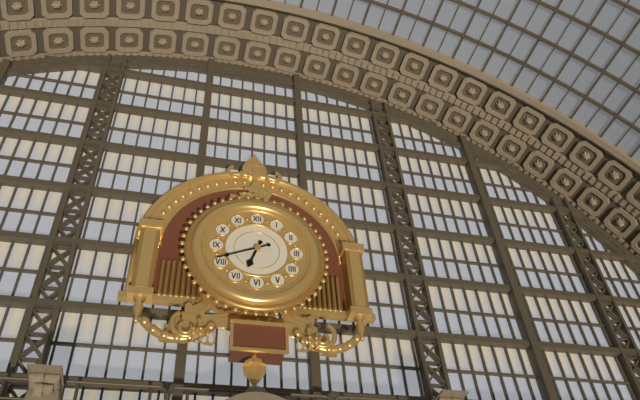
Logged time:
6h41
